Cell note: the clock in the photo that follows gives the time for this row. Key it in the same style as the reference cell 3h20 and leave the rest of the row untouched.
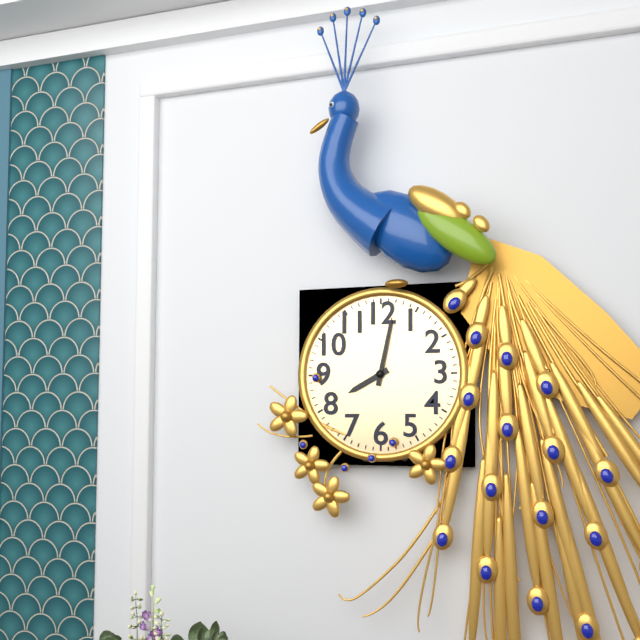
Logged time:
8h02
